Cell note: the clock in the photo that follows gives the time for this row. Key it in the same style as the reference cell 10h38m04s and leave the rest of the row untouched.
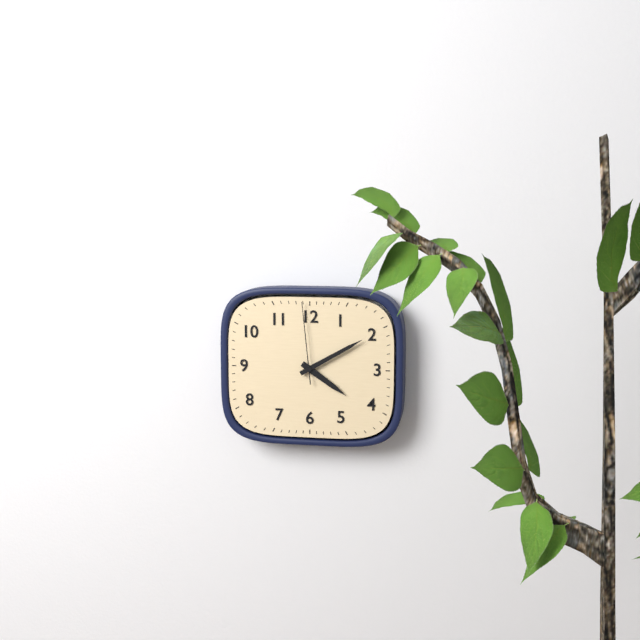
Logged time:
4h10m59s
